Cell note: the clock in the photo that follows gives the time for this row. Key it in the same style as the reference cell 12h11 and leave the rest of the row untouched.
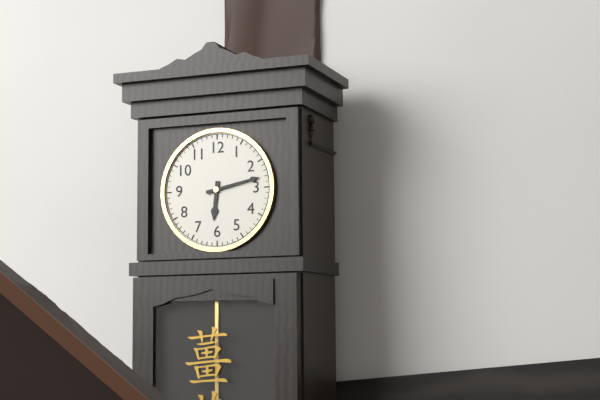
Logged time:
6h13
